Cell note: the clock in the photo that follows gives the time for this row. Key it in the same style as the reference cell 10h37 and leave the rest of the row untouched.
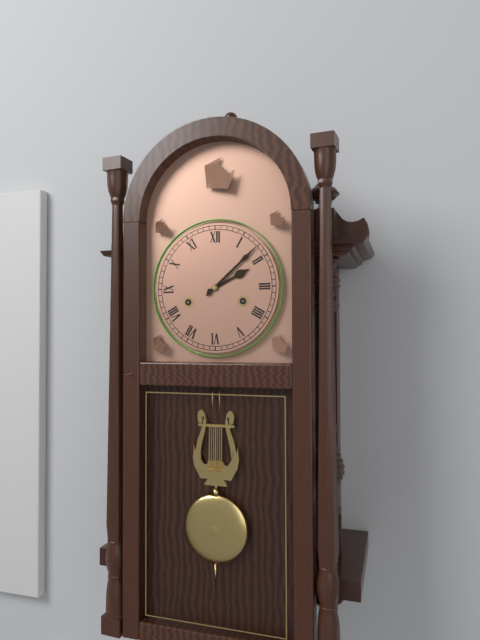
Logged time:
2h08
